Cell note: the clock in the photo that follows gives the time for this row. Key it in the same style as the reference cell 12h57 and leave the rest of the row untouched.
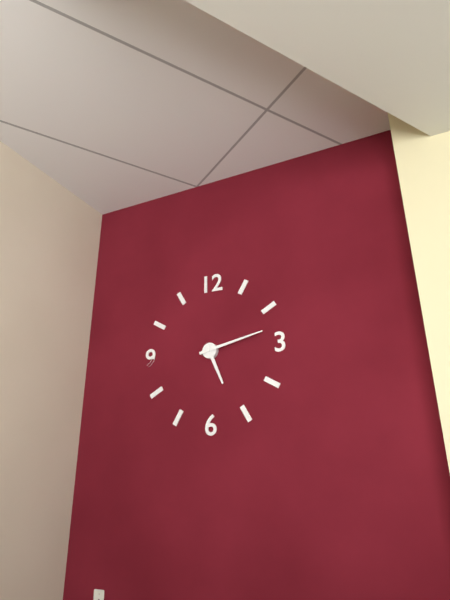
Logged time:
5h13
